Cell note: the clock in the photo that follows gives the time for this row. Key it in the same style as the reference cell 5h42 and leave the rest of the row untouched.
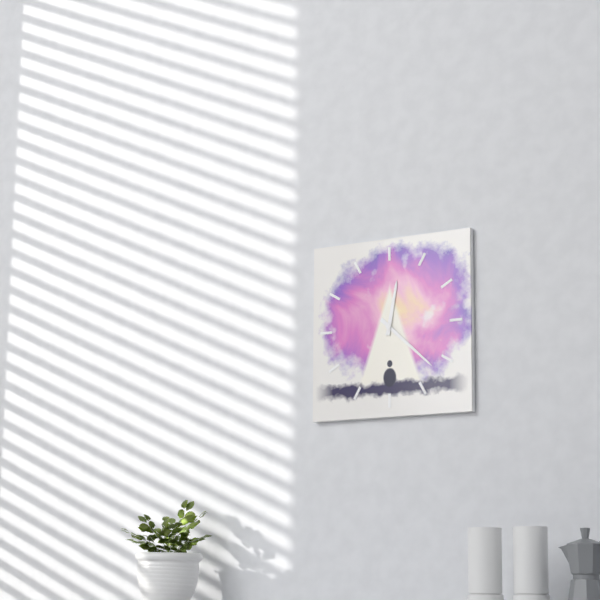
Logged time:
12h22
